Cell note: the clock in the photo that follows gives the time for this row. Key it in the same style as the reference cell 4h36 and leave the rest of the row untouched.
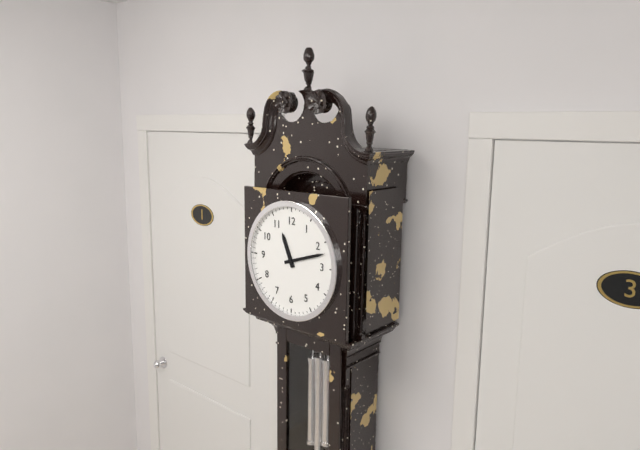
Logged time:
11h12
